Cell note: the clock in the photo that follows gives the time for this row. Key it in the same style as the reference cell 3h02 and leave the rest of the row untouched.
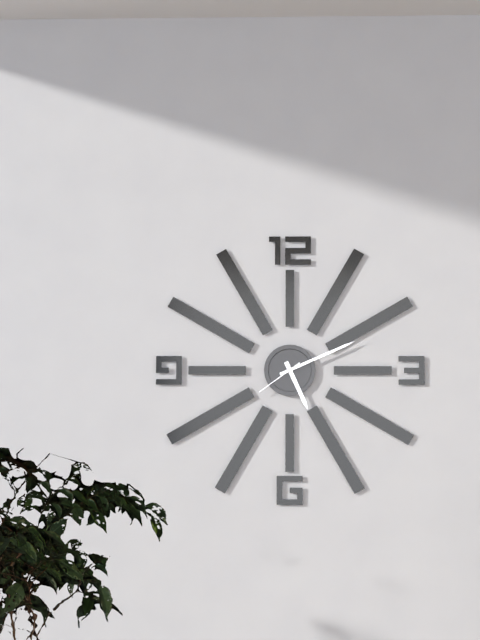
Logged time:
5h11
